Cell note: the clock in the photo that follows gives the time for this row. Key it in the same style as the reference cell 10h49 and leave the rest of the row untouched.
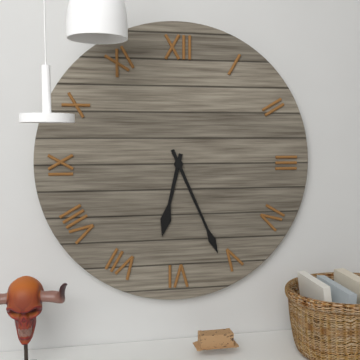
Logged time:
6h26
